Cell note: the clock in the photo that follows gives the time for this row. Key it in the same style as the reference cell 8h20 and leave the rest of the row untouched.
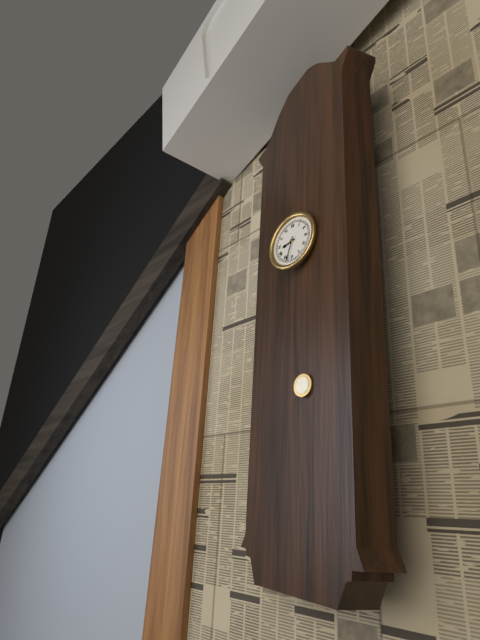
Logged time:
8h33
